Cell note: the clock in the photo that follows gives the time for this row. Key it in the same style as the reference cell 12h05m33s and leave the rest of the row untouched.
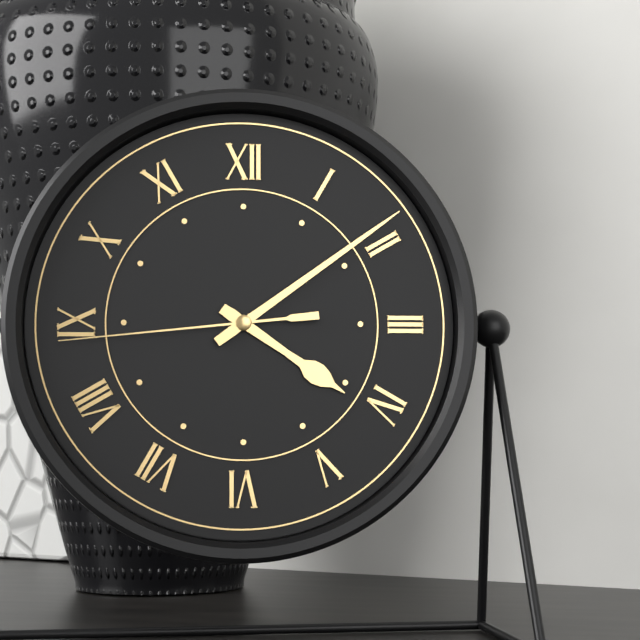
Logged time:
4h09m44s
